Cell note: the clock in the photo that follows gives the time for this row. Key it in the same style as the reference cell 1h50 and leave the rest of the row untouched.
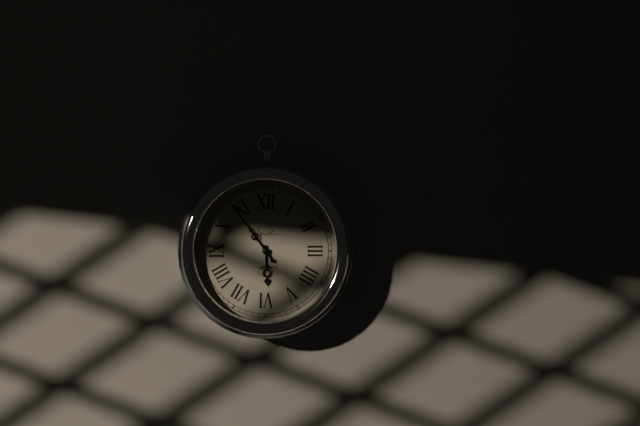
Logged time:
5h54
